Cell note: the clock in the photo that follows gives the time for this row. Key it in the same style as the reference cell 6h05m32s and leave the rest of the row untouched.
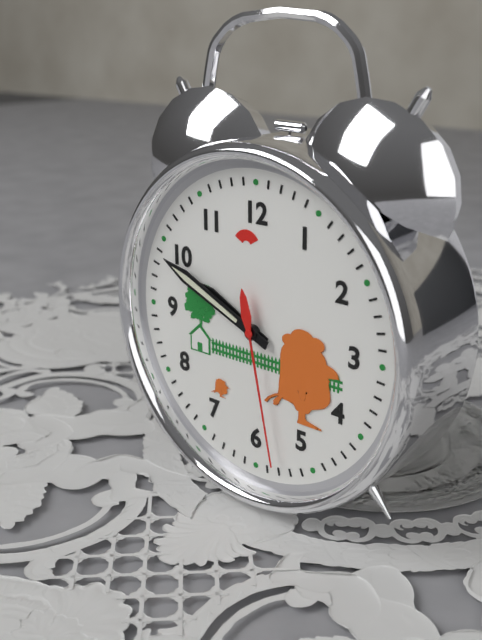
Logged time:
9h49m28s
